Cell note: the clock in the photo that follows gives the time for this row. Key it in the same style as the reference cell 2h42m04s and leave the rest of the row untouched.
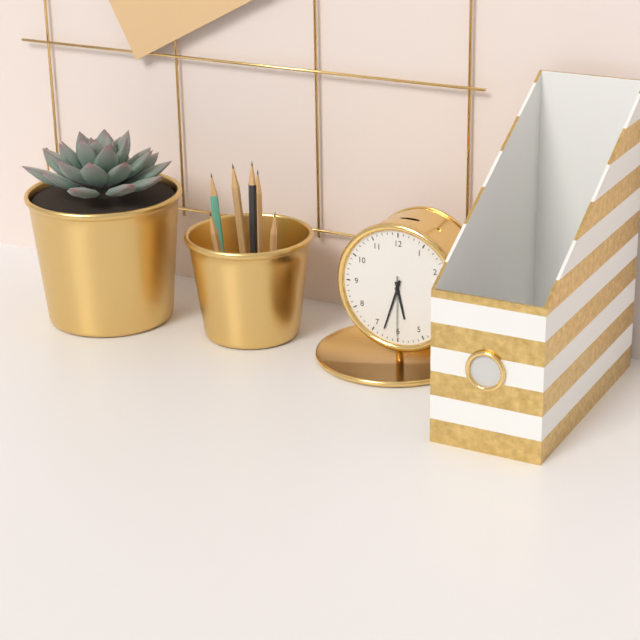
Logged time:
5h33m30s
